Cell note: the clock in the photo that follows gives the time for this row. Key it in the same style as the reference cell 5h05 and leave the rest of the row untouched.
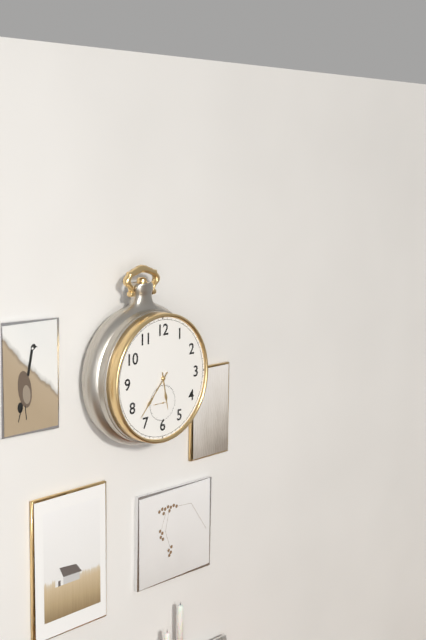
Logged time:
5h37
